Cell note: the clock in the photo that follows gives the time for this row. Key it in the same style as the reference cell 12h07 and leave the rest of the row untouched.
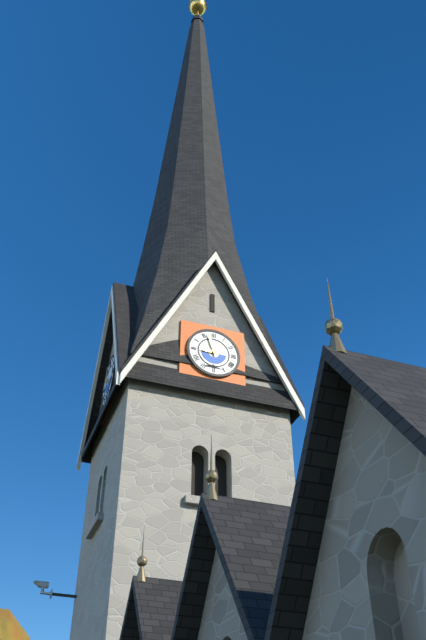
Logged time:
8h57
